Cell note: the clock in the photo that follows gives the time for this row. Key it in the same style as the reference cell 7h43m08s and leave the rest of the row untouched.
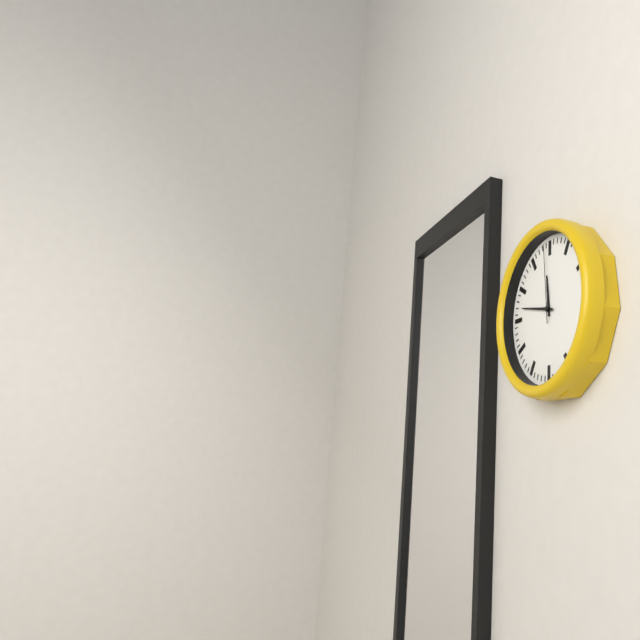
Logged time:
11h47m59s
